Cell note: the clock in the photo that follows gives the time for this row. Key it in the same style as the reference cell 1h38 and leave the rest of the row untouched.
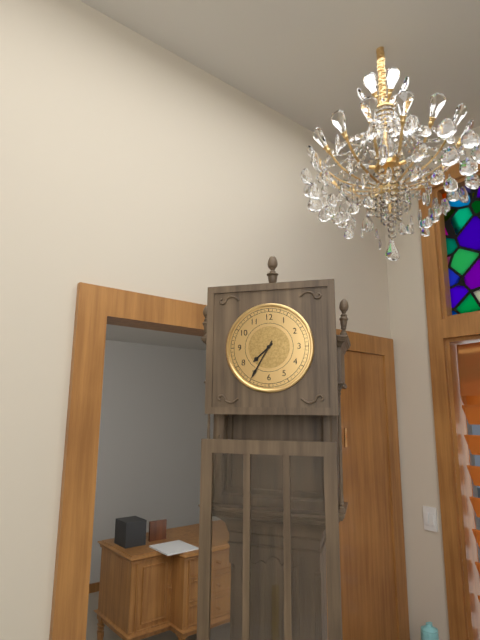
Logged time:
7h35
